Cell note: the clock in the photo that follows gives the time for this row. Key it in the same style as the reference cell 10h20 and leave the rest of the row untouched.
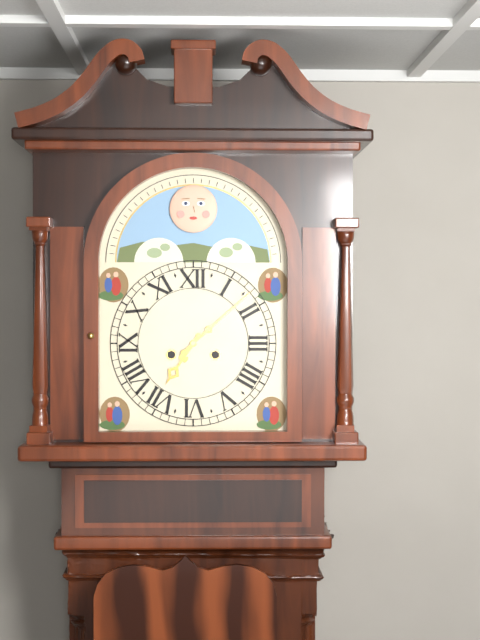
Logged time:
7h08
